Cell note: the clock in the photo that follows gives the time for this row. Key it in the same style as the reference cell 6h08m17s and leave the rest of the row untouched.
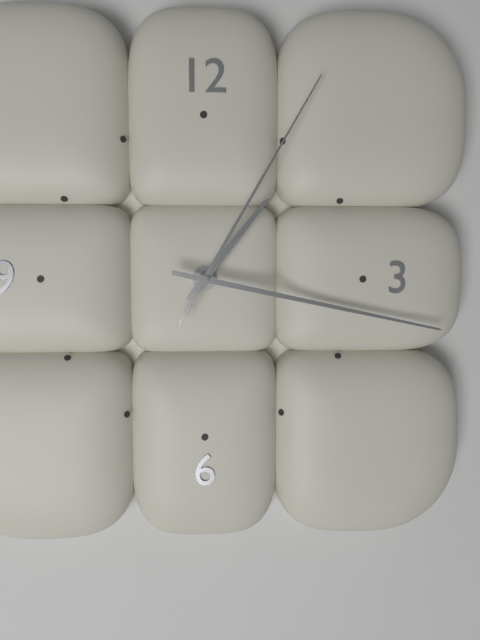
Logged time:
1h17m05s
